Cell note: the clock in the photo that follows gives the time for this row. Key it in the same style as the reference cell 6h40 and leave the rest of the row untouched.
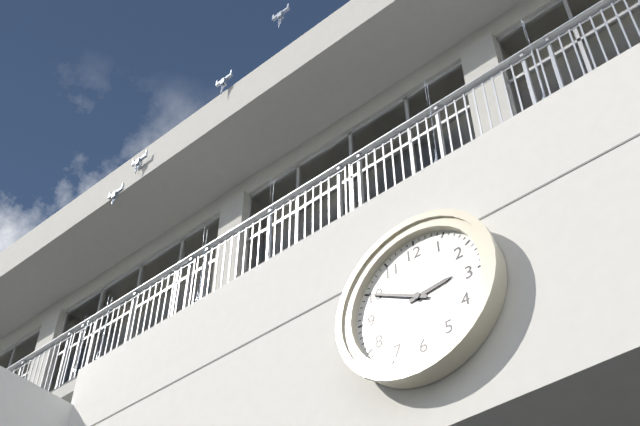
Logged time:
2h50
